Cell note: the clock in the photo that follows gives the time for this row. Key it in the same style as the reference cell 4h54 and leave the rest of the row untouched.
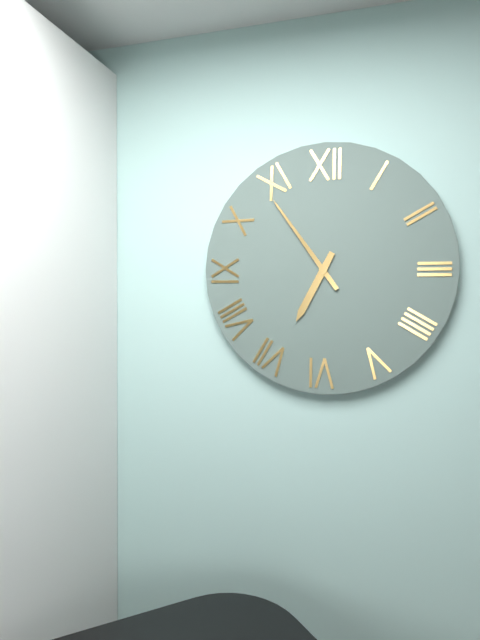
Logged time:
6h54
